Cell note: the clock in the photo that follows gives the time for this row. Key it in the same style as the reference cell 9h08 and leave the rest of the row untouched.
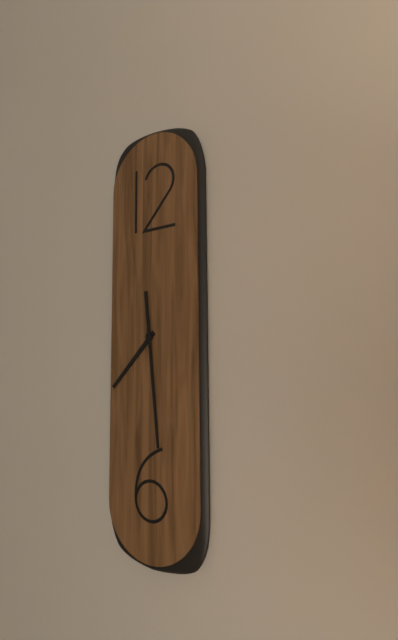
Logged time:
7h29
